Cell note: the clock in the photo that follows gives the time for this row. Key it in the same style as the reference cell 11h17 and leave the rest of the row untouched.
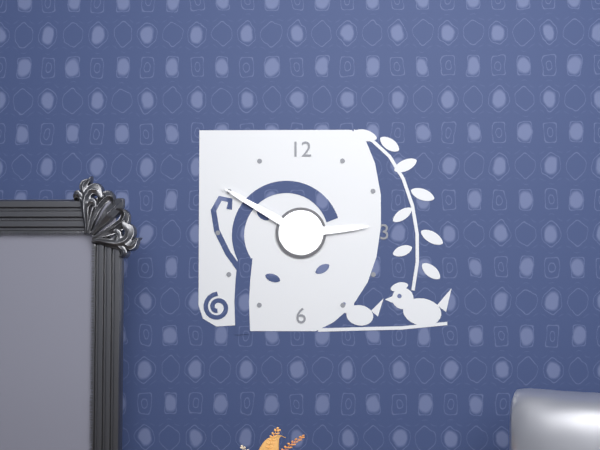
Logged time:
2h50
